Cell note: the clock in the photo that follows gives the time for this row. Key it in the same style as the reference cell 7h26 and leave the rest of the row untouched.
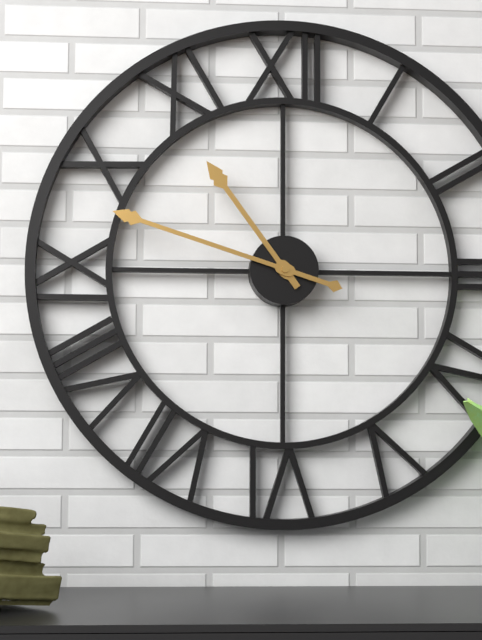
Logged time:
10h48
